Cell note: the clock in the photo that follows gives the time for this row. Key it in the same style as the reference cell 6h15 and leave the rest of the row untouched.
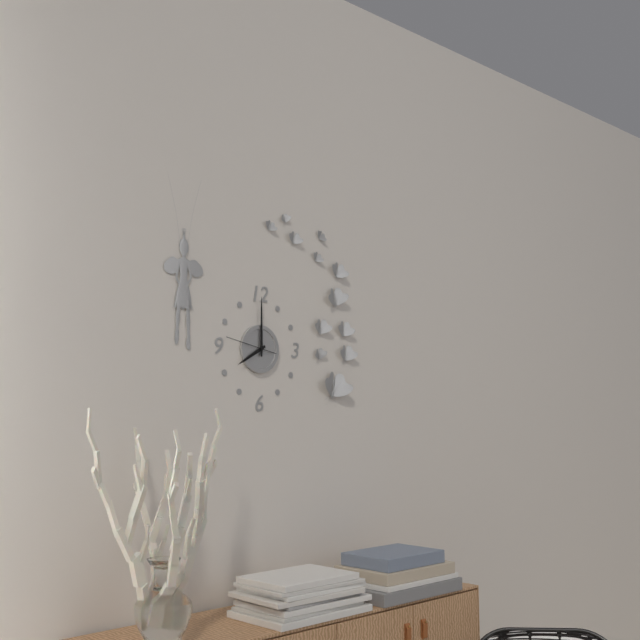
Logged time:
8h00
